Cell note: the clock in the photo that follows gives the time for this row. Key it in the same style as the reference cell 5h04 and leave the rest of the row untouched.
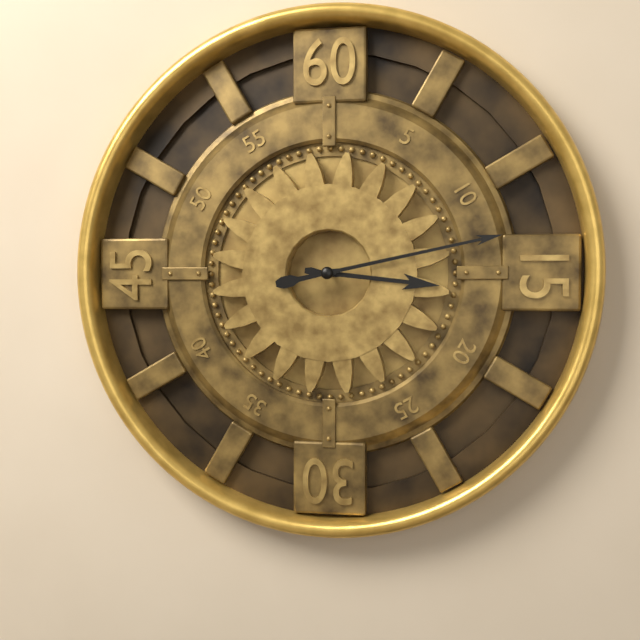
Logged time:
3h13
